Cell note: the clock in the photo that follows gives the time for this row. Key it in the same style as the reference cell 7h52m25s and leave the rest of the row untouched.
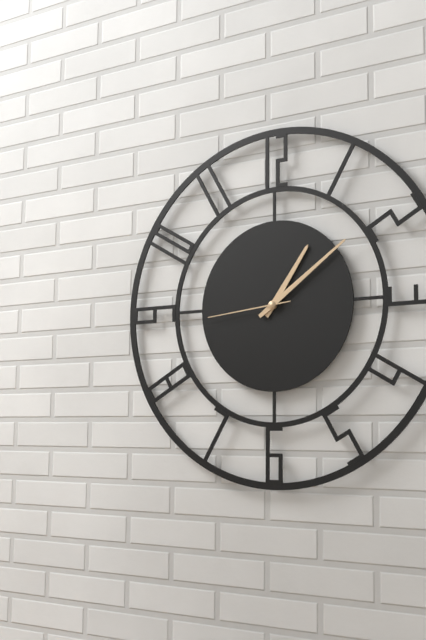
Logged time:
1h09m44s
